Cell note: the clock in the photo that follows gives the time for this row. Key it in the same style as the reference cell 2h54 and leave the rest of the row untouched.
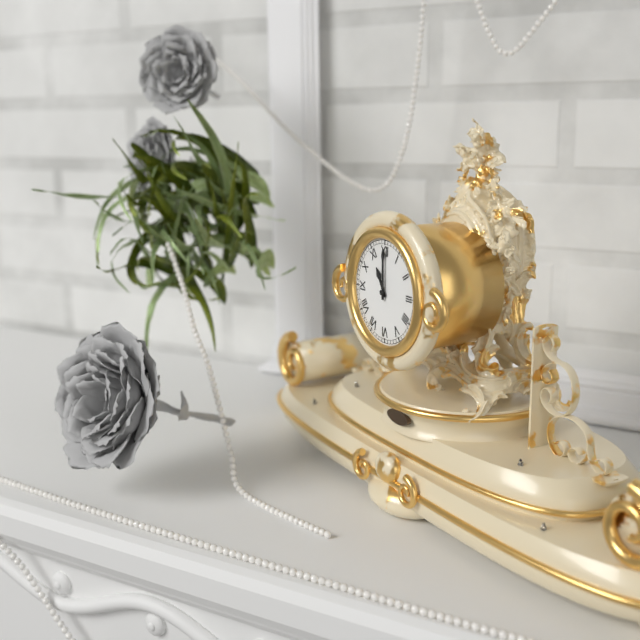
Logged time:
11h00
